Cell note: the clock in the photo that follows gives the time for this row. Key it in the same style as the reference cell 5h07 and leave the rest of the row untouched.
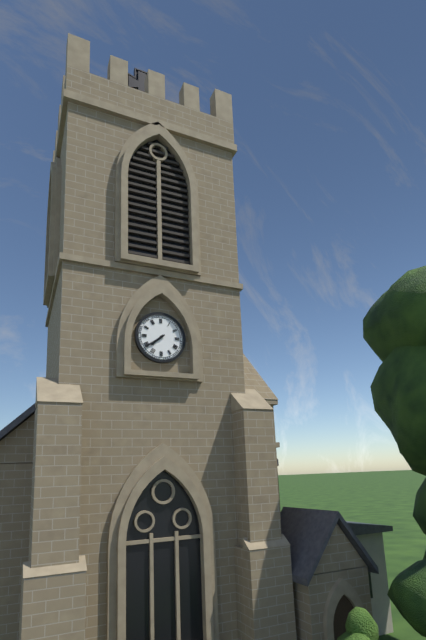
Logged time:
7h39
